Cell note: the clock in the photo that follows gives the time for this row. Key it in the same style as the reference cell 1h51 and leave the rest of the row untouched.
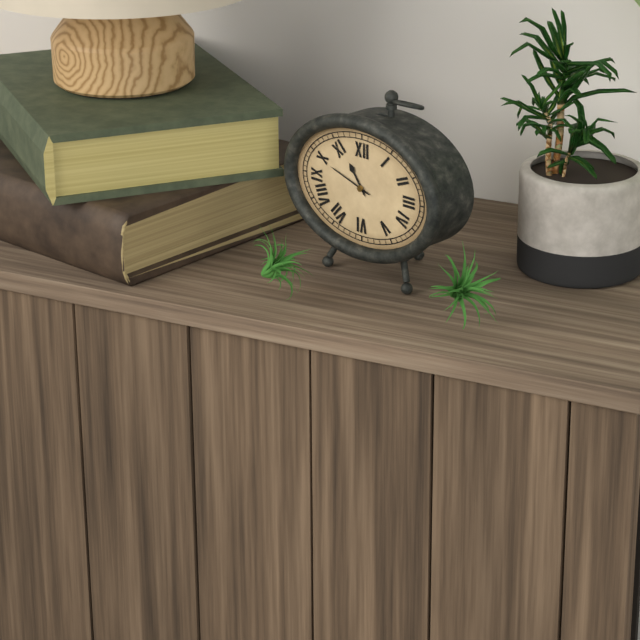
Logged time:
10h48
